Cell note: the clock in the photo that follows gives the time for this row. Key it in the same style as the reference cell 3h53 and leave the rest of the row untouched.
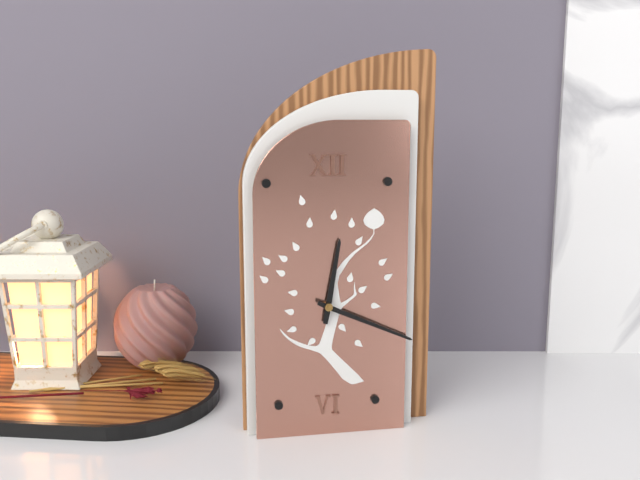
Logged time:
12h19
